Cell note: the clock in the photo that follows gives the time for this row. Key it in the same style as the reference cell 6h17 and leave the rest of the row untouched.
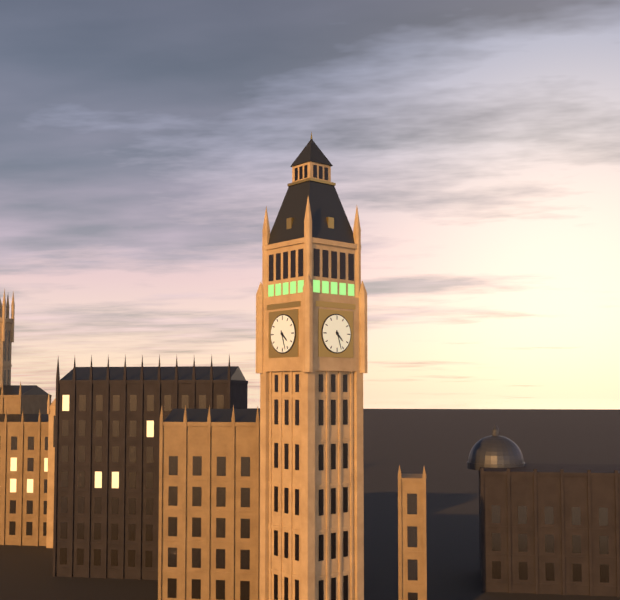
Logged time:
4h27
